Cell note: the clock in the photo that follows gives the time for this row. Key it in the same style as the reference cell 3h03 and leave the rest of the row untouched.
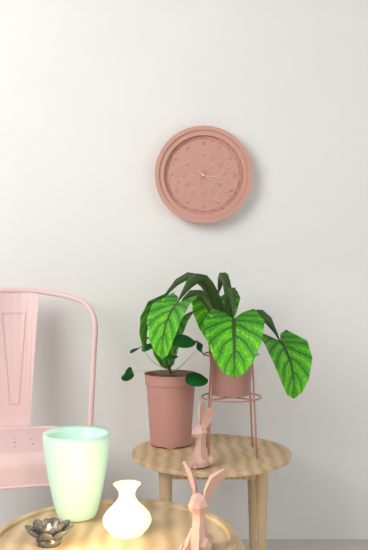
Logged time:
3h21
